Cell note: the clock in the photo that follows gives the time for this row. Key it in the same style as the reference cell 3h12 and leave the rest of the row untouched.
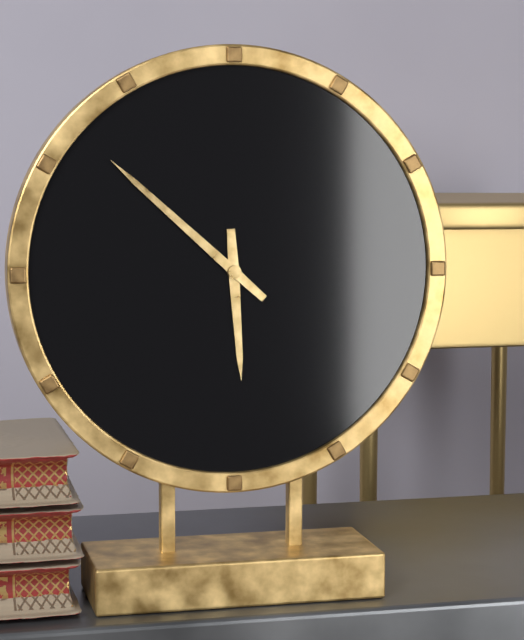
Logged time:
5h52
